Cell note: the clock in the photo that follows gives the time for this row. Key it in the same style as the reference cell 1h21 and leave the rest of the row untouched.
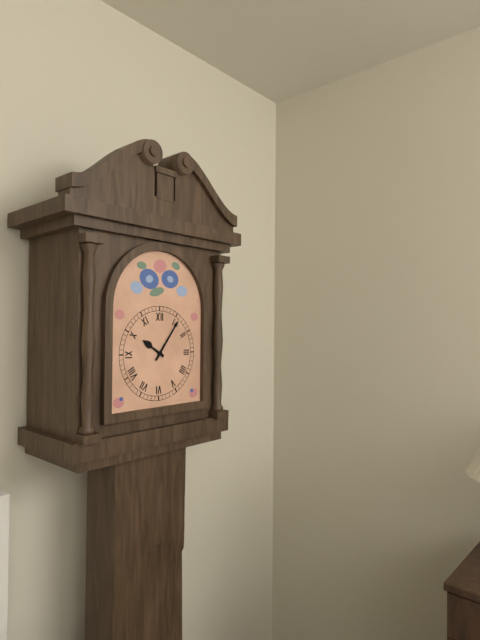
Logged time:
10h06
